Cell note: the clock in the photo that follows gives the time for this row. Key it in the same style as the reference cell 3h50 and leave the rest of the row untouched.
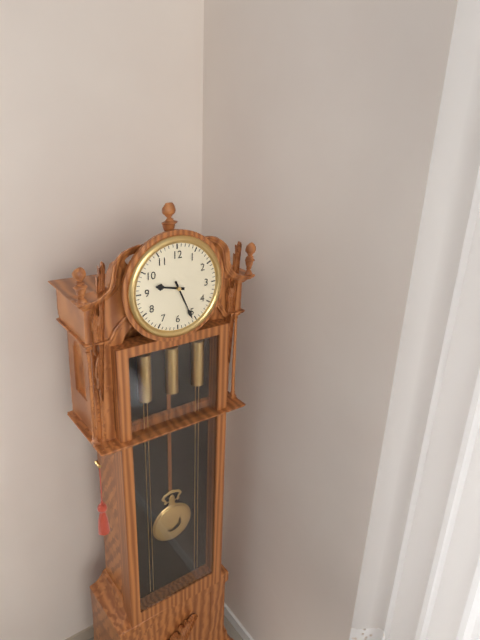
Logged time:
9h26
